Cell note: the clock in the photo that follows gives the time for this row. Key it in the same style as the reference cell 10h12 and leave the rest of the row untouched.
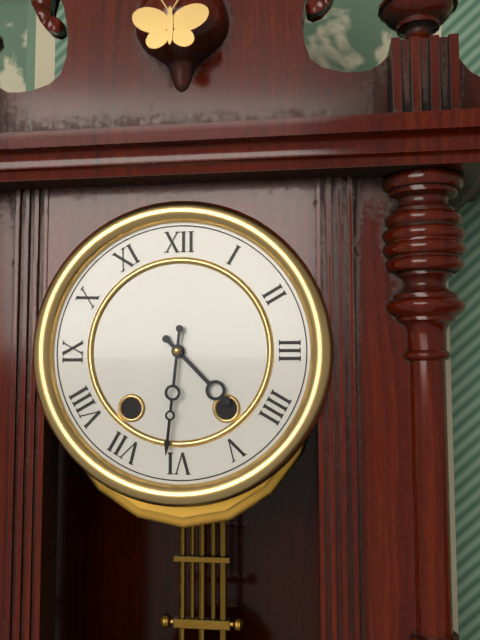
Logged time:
4h31
